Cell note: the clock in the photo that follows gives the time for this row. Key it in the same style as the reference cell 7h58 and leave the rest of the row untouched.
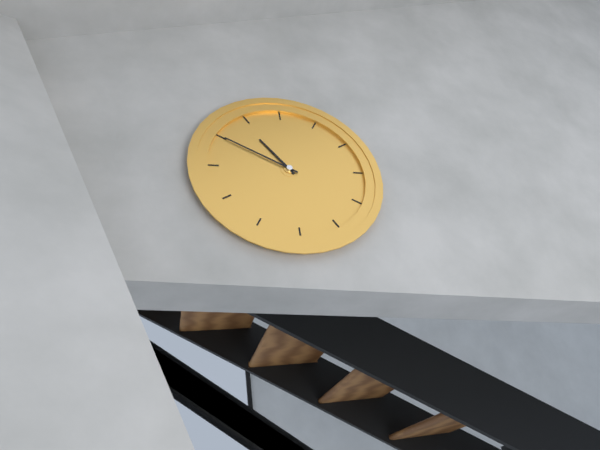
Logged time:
10h50
